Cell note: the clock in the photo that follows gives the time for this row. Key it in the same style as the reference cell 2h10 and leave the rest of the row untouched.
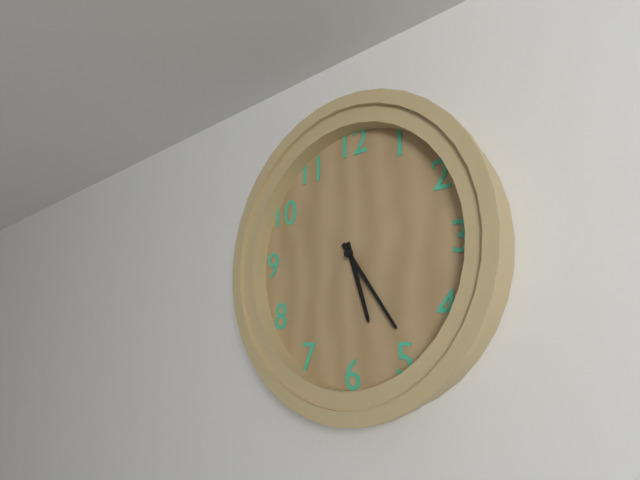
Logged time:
5h24
